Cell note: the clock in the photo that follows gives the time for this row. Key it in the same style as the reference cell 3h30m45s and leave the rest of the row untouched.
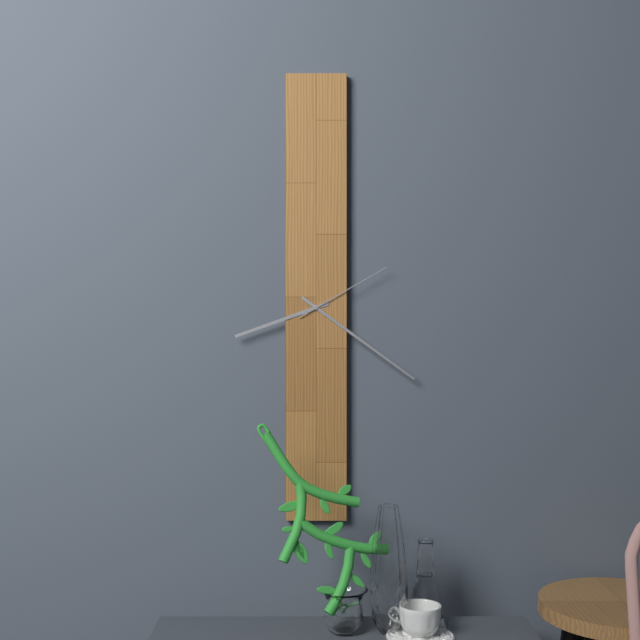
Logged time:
8h21m10s
